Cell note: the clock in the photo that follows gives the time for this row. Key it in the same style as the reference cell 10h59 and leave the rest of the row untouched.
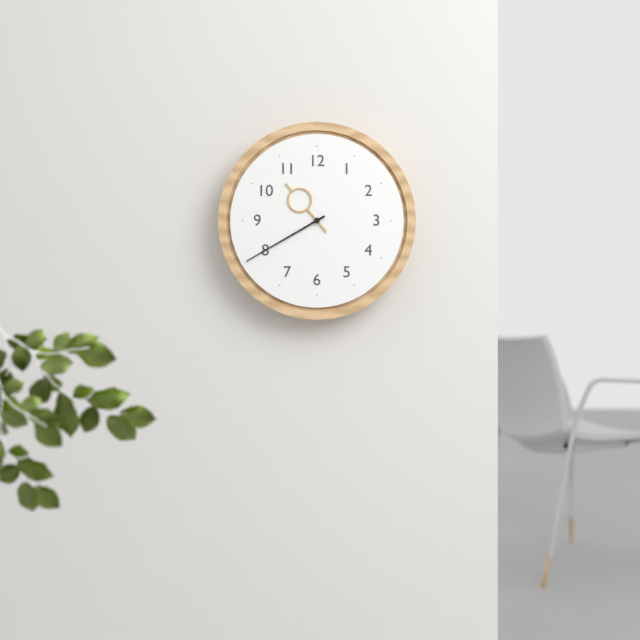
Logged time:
10h40
